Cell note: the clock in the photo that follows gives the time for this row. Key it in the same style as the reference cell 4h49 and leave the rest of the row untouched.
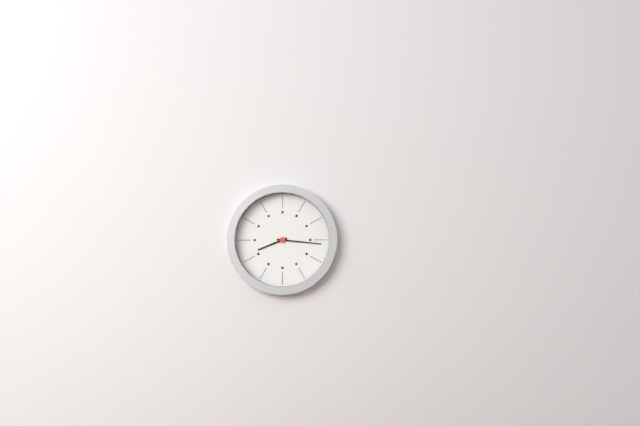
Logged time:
8h16
